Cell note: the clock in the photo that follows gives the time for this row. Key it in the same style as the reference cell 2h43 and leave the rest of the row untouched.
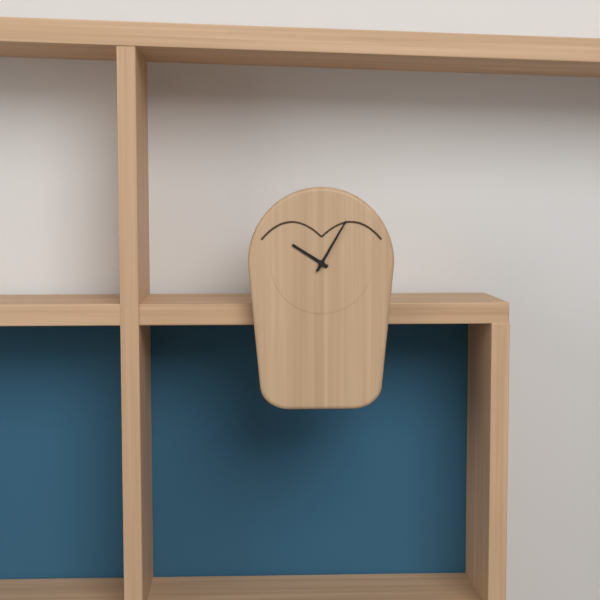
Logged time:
10h05
